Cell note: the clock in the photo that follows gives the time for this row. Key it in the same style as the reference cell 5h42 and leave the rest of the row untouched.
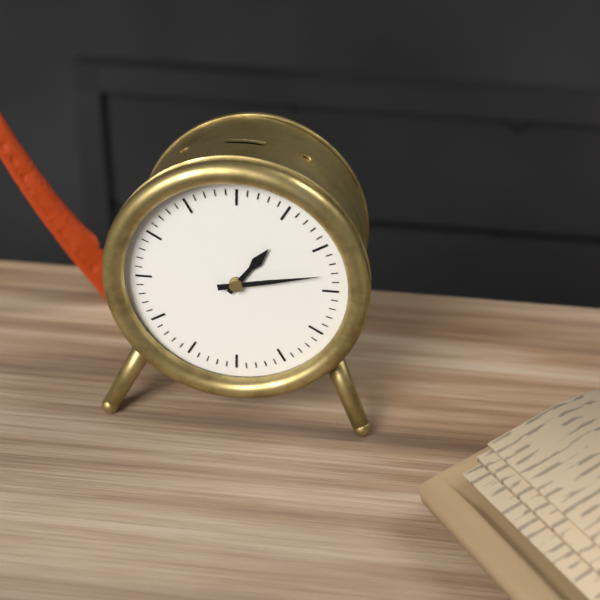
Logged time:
1h13
